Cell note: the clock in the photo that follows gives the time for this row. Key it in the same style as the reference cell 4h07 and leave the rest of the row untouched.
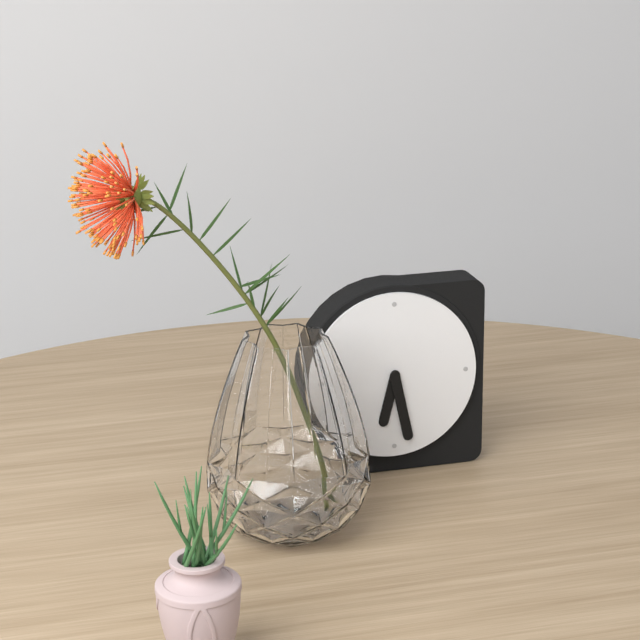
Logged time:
6h28
